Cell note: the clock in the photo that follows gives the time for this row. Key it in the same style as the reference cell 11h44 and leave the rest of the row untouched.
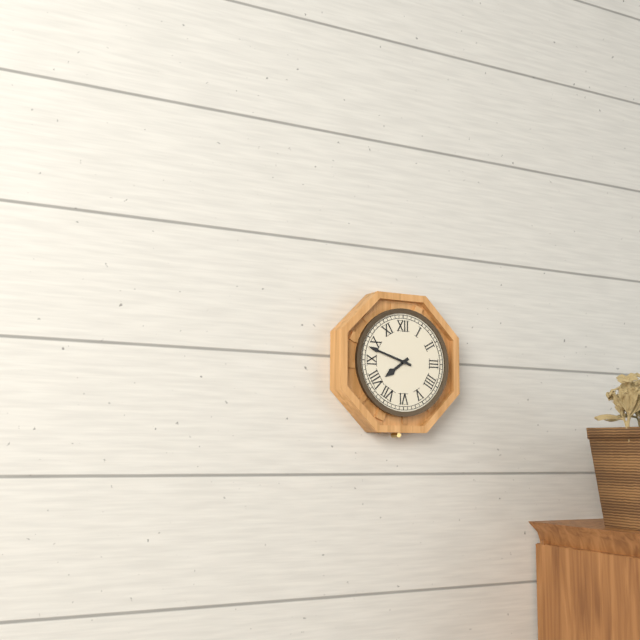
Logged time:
7h48
